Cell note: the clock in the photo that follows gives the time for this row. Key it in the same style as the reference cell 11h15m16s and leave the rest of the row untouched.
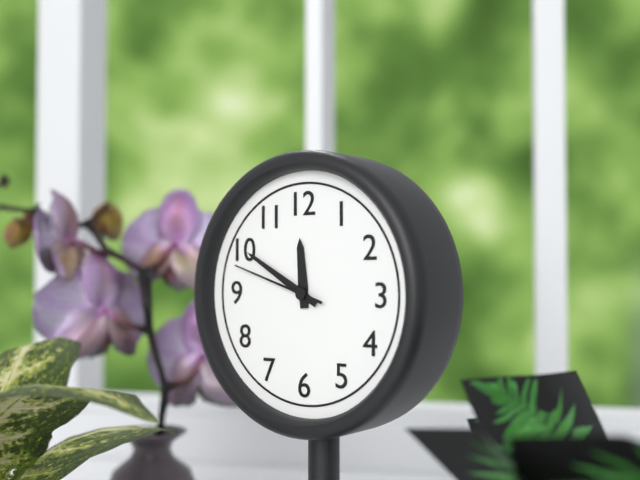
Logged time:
11h50m48s
